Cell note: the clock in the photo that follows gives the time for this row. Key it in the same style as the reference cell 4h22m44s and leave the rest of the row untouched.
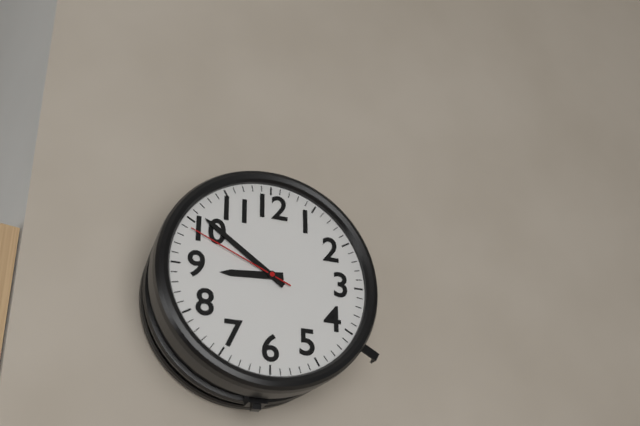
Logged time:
8h51m49s
